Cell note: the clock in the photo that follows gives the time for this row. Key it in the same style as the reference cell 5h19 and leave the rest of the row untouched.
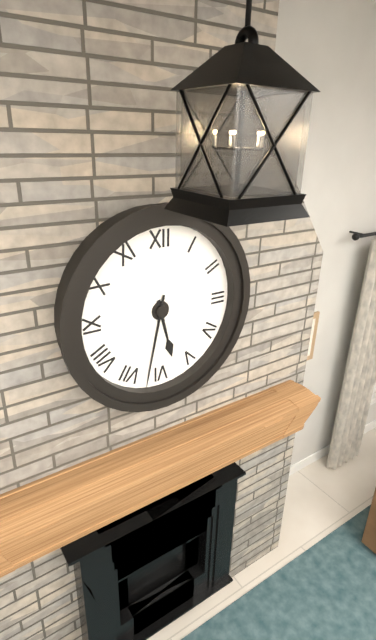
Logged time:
5h32
